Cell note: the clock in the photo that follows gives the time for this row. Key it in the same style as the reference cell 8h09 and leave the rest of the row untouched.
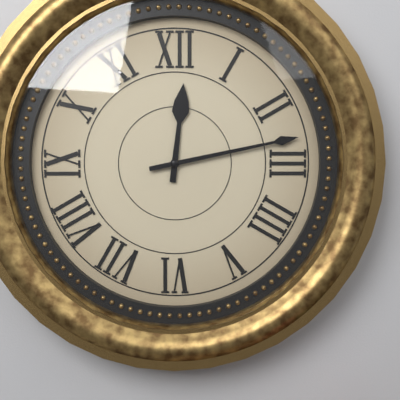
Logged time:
12h13
